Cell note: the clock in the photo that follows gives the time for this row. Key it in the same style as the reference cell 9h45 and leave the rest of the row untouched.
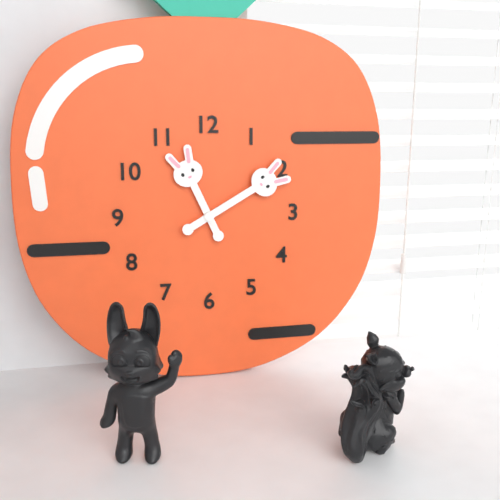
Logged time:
11h10
